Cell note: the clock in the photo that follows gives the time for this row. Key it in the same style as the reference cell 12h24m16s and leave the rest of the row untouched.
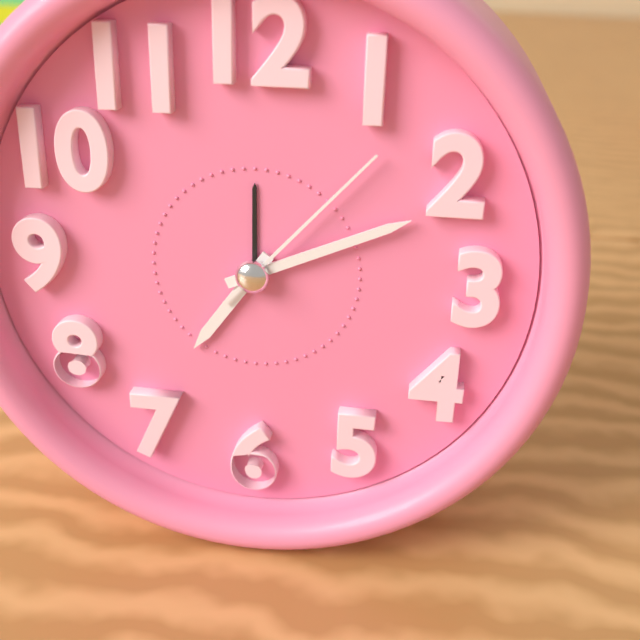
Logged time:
7h11m07s
